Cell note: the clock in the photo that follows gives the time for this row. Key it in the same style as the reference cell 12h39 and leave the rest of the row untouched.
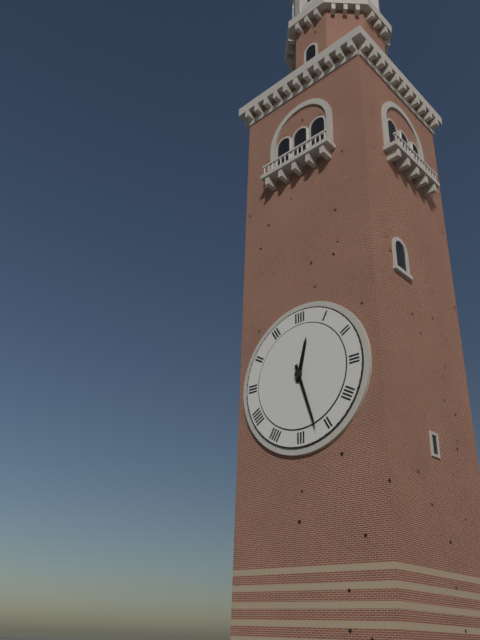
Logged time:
12h27
